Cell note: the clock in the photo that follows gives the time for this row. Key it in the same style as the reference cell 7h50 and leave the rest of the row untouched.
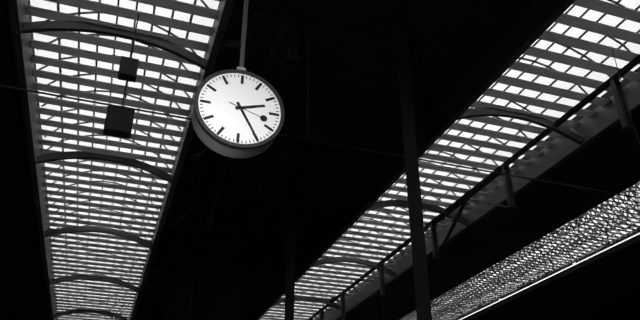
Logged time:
2h25
